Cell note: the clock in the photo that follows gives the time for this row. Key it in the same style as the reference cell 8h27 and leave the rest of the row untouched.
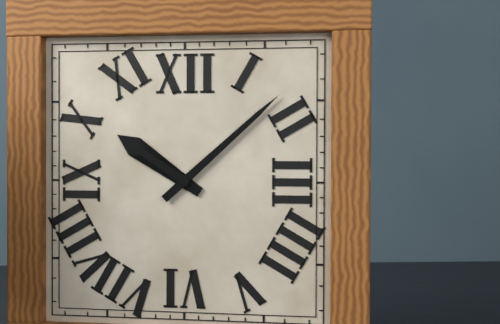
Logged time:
10h08
